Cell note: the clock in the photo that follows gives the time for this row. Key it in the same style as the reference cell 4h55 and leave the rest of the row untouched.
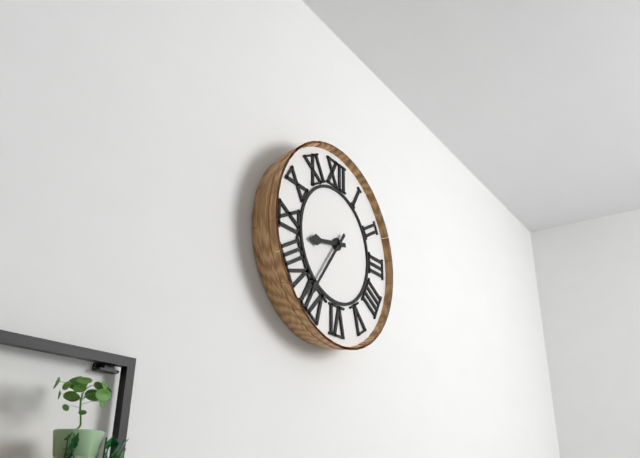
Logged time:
8h36
